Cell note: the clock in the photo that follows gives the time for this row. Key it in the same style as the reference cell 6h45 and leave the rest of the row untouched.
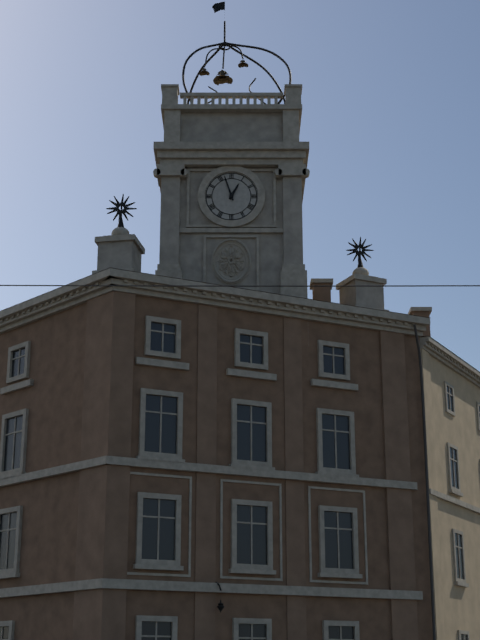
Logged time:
12h57
